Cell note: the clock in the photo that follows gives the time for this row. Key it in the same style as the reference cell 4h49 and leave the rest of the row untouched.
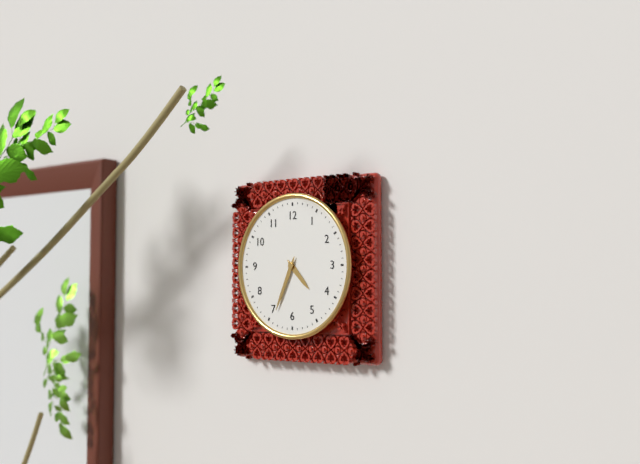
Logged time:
4h34
